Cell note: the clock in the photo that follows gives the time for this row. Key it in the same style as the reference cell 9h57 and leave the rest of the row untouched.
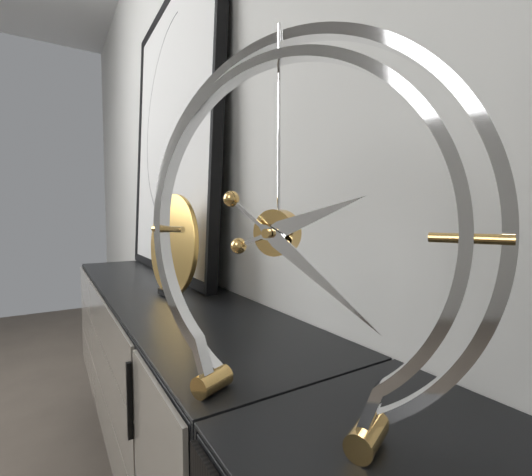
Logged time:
2h21
